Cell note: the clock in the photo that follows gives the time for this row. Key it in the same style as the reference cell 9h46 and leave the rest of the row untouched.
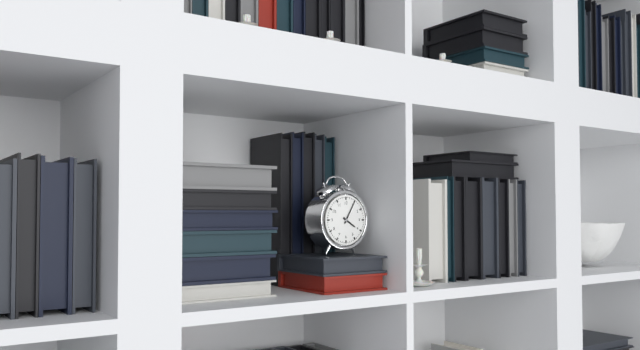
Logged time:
4h05
